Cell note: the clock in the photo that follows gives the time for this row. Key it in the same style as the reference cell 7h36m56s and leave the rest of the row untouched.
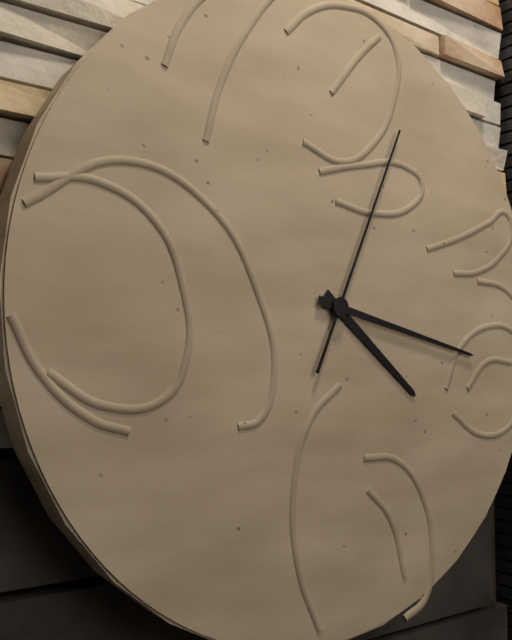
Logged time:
4h17m04s
